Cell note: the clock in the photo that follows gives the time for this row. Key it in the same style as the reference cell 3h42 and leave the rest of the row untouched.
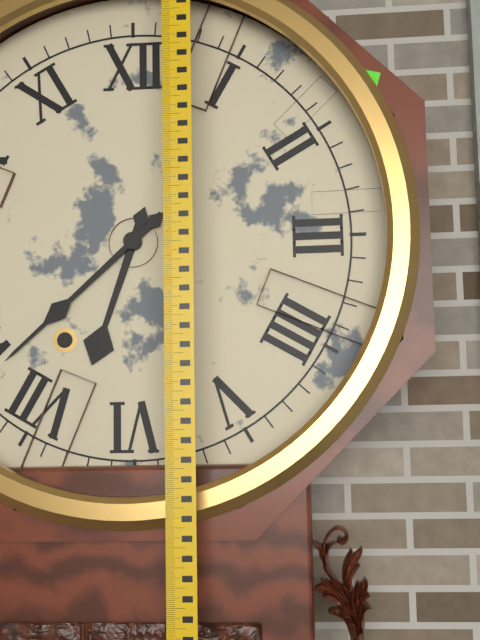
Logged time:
6h38
